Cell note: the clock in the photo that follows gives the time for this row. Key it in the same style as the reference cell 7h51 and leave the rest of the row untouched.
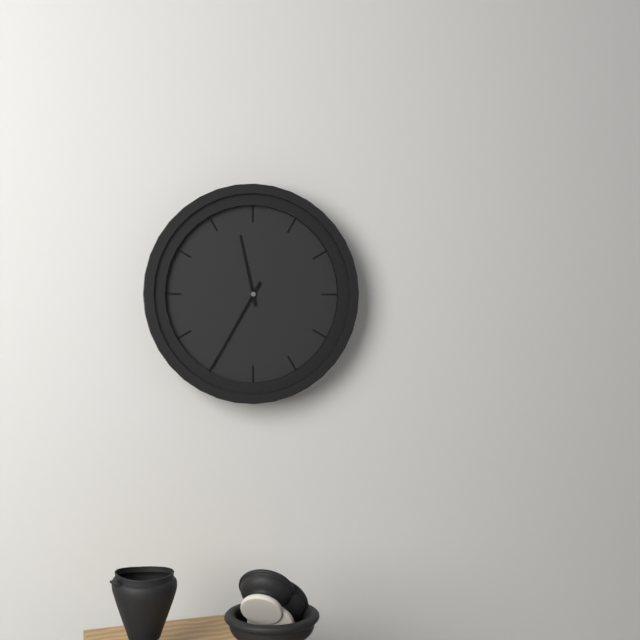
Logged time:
11h35
